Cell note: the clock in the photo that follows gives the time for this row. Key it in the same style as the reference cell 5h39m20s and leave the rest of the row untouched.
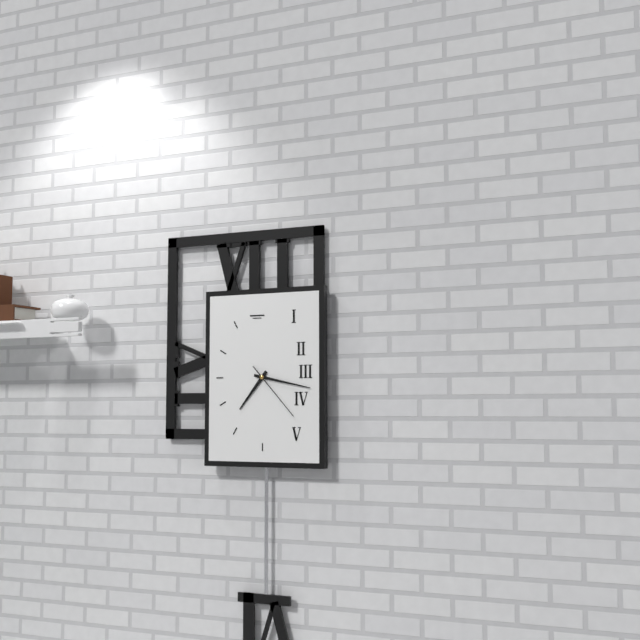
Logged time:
7h17m23s
